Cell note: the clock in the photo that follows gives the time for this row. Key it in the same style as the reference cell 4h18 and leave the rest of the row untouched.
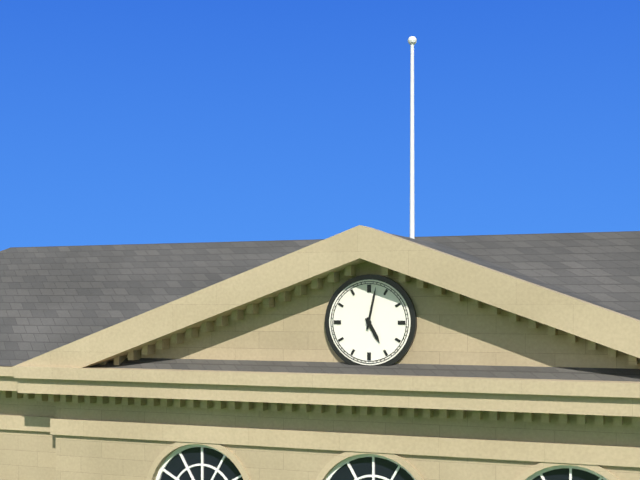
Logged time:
5h02
